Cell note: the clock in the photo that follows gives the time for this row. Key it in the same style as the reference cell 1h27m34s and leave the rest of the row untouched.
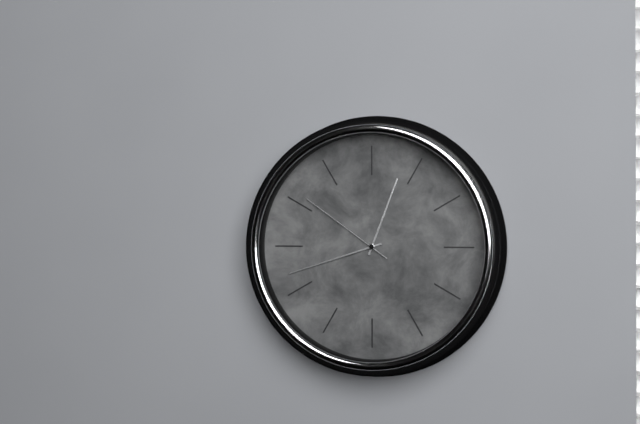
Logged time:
12h42m51s
